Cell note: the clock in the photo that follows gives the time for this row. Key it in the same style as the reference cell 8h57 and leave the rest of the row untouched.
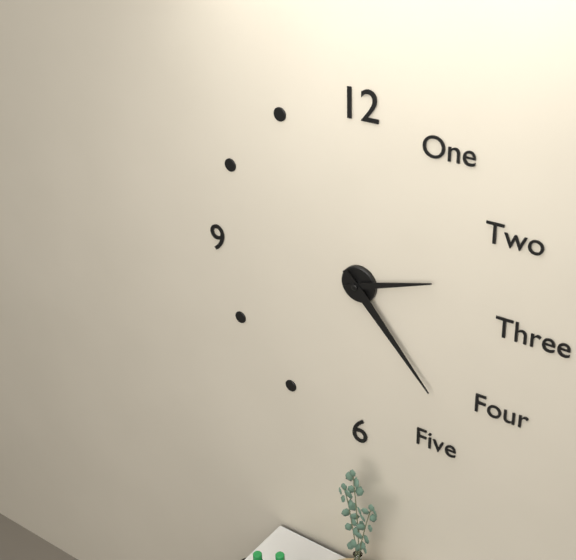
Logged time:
2h23
